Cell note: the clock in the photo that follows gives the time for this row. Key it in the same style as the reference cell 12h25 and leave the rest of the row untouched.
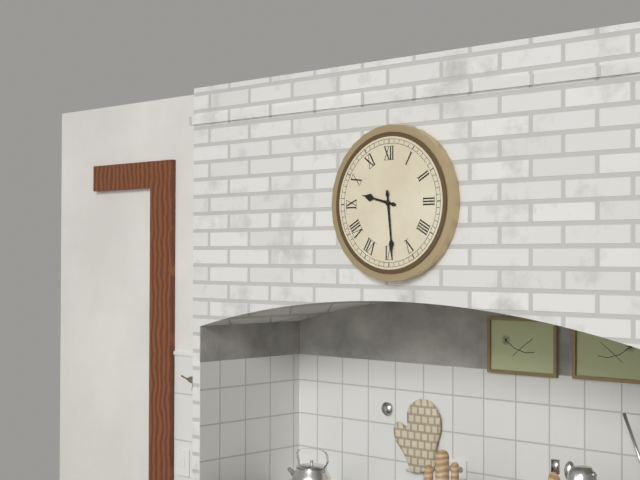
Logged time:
9h29
